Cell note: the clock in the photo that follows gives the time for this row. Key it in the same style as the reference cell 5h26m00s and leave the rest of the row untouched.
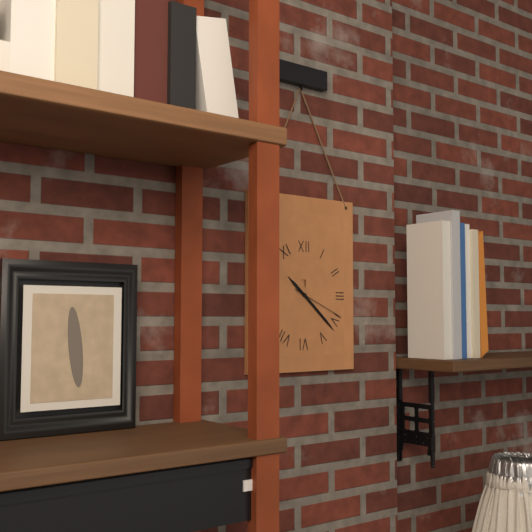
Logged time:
10h22m19s
